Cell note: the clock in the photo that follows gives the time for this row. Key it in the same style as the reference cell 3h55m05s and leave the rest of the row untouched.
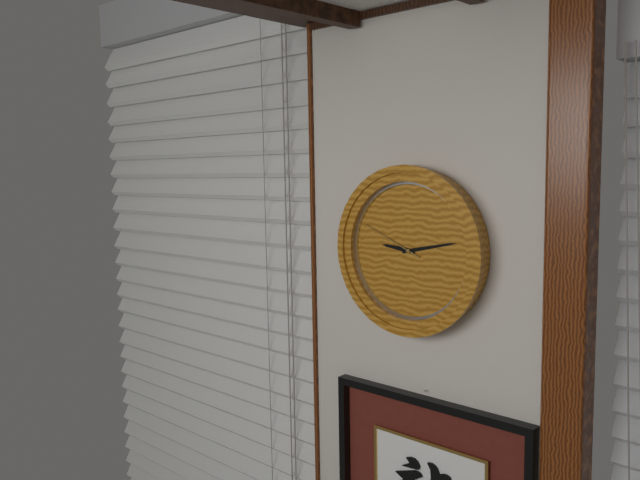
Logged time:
9h13m49s
